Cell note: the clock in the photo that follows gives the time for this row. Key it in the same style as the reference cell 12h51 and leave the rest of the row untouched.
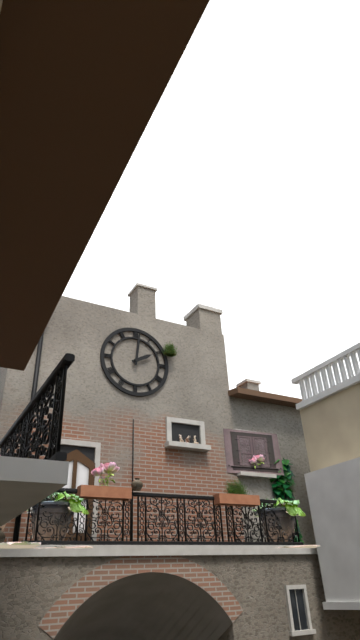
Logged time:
2h01
